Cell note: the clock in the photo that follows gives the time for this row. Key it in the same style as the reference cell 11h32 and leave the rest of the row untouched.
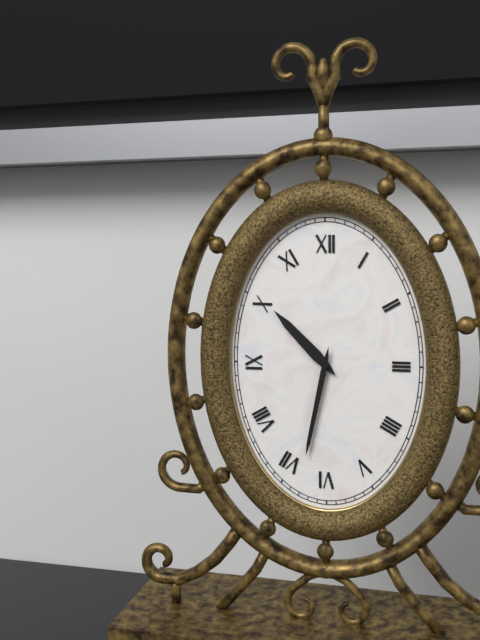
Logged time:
10h32
